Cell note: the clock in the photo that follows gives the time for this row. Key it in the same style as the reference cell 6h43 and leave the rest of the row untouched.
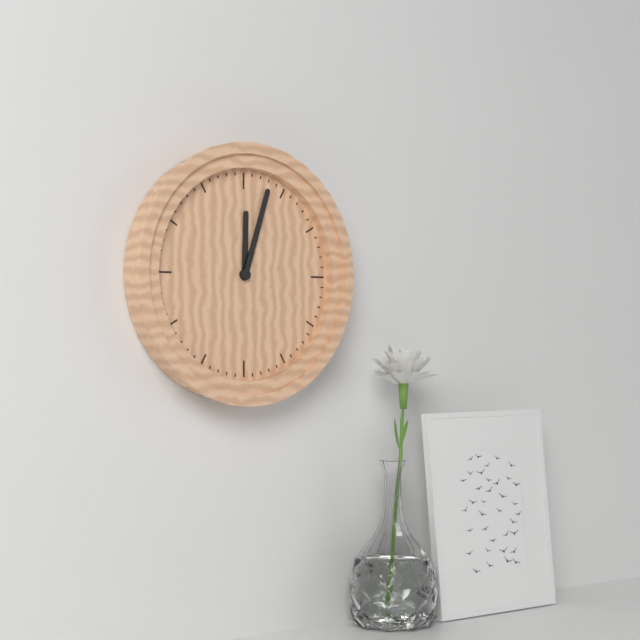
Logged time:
12h03
